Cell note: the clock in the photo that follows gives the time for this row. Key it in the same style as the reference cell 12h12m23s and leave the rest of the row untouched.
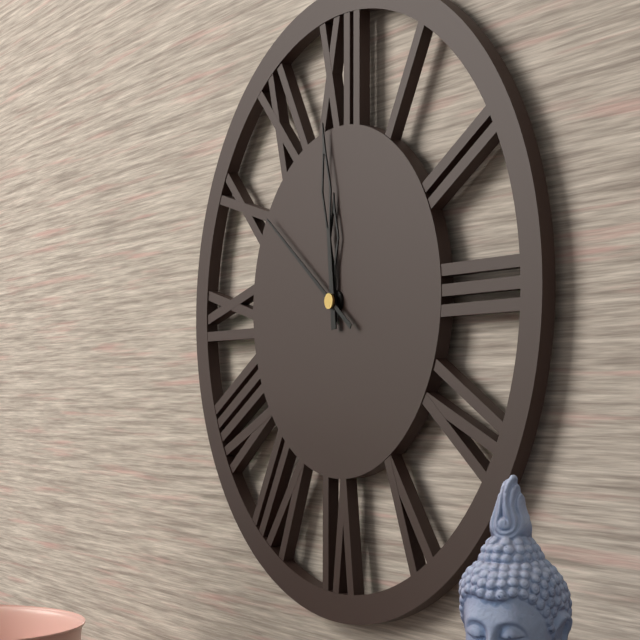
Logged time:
11h59m51s
